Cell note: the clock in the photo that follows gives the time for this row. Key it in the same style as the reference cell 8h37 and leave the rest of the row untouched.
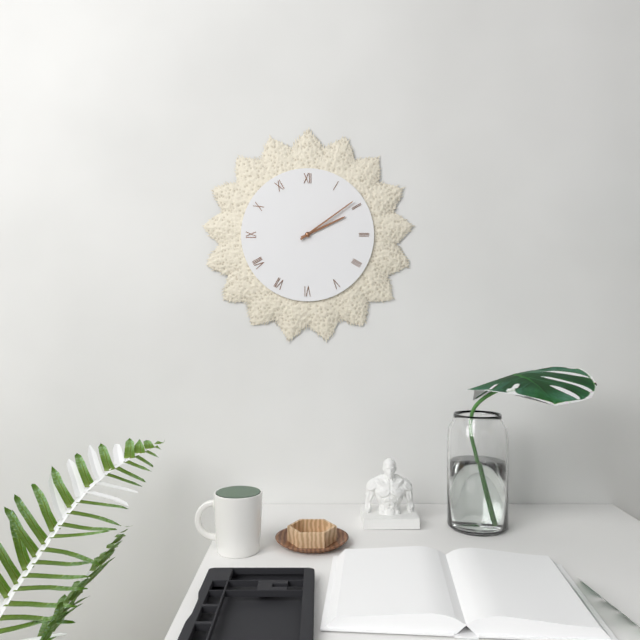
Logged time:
2h09
